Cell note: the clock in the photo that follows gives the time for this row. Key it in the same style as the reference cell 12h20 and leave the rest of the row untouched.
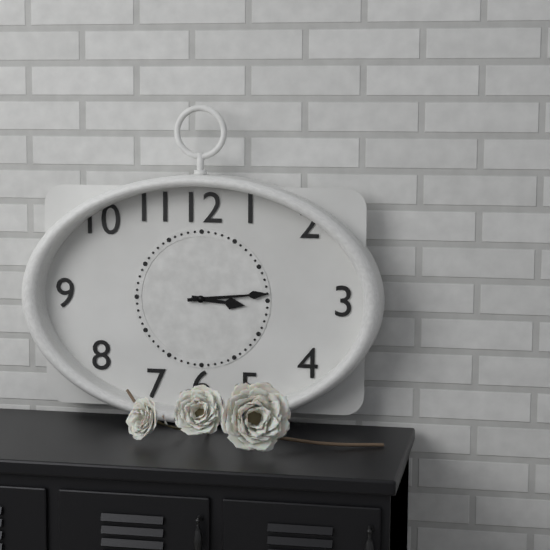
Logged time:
3h14
